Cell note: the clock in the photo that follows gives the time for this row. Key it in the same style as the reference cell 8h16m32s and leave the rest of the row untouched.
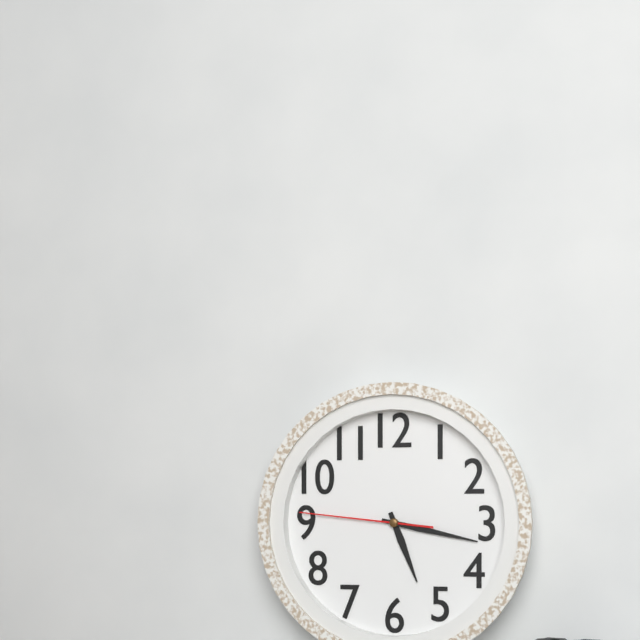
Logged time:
5h17m46s
